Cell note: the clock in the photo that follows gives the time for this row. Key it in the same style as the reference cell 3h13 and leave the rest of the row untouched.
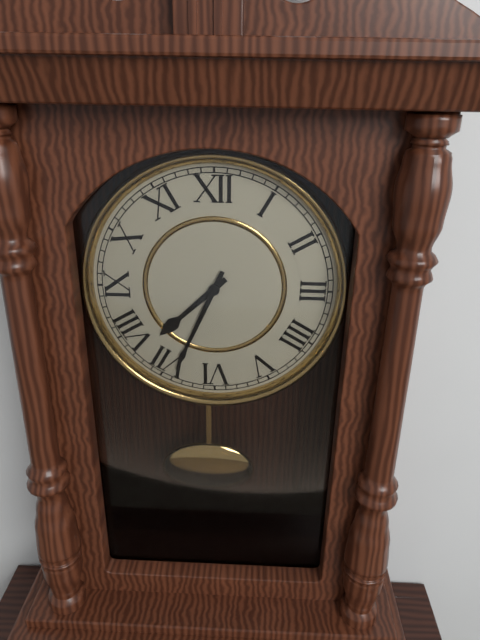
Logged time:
7h34
